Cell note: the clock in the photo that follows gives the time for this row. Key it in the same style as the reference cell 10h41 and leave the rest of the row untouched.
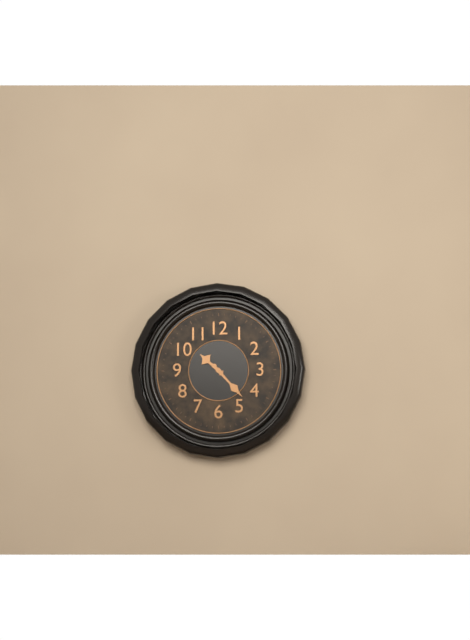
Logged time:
10h23
